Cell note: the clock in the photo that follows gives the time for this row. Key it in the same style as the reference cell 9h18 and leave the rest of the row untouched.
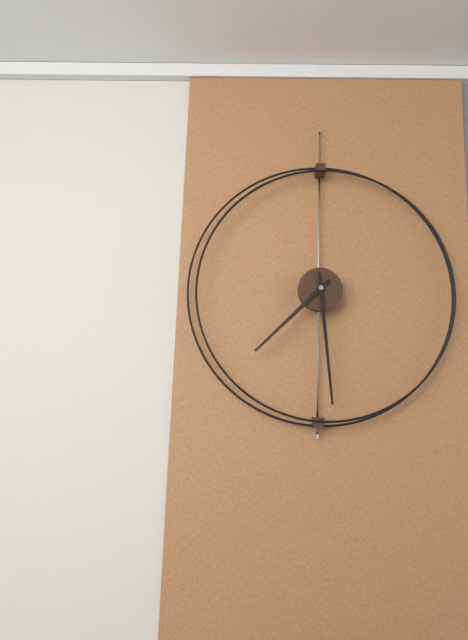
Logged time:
7h29
